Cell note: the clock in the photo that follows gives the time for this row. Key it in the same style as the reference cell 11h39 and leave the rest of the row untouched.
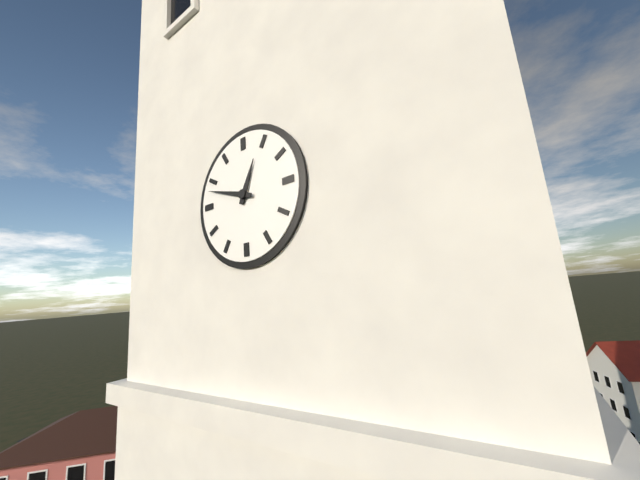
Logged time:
12h48
